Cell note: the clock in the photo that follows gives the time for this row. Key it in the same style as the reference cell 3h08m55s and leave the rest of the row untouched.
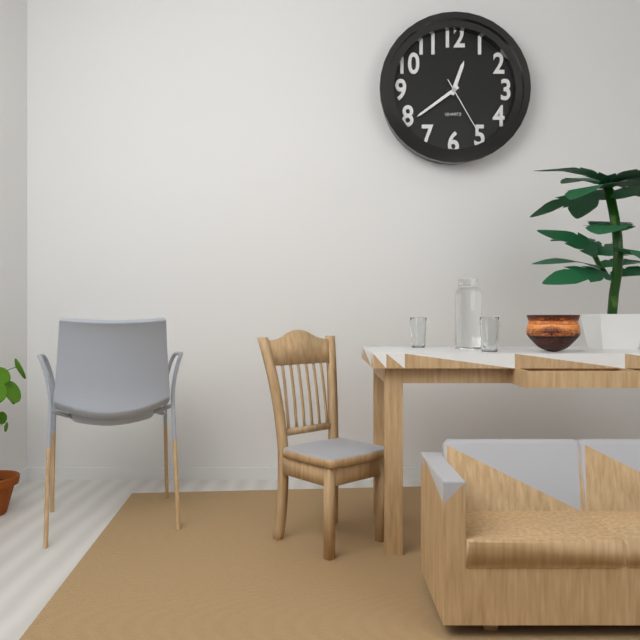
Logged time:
12h39m25s
